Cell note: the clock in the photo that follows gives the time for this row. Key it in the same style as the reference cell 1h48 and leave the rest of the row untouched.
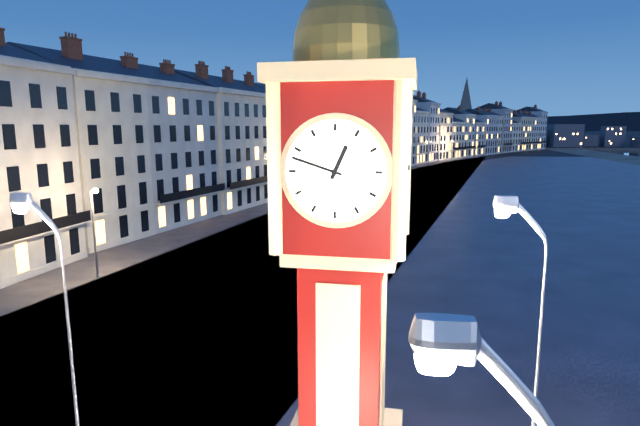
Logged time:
12h48
